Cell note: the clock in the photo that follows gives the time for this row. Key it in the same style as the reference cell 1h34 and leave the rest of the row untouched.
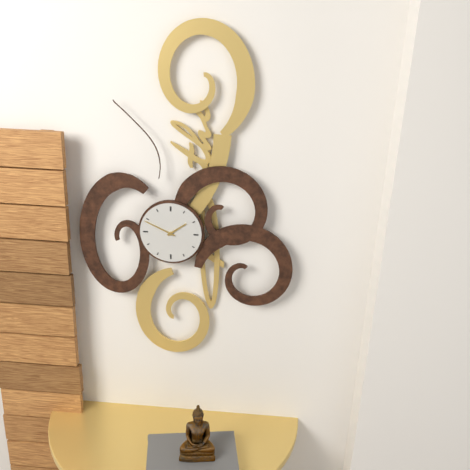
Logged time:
1h49
